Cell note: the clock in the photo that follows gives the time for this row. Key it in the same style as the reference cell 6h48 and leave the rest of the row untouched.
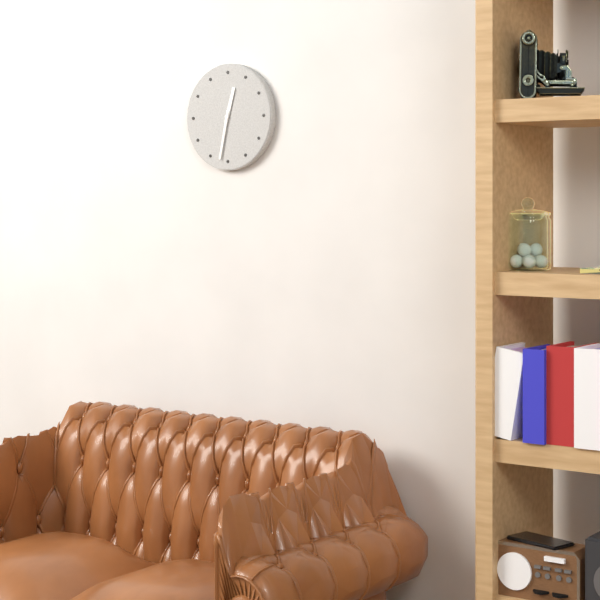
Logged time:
12h32
